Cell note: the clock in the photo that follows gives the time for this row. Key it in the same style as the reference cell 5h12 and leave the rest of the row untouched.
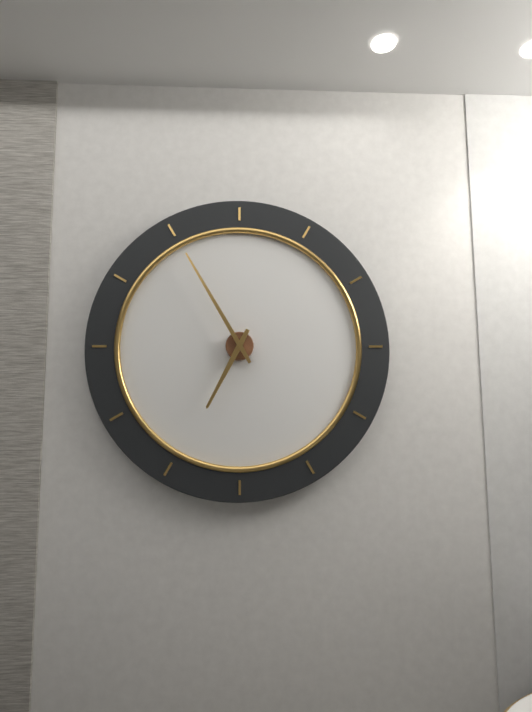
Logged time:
6h55
